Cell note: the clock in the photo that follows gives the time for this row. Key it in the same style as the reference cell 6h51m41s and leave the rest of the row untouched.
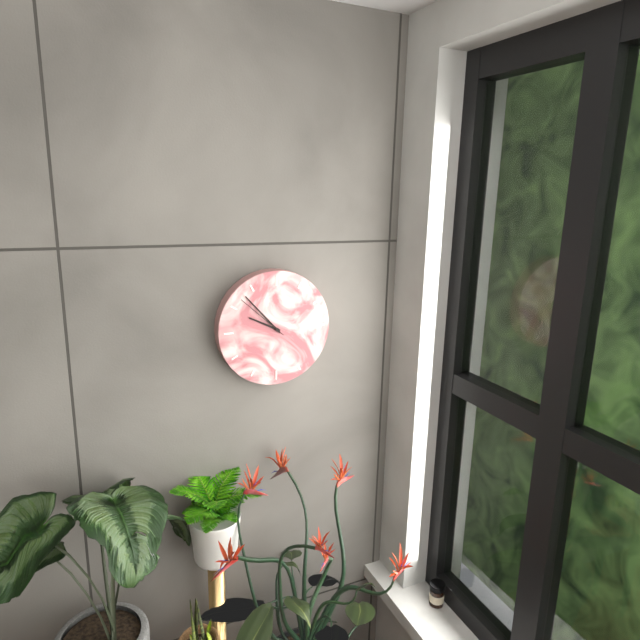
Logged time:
9h53m52s
